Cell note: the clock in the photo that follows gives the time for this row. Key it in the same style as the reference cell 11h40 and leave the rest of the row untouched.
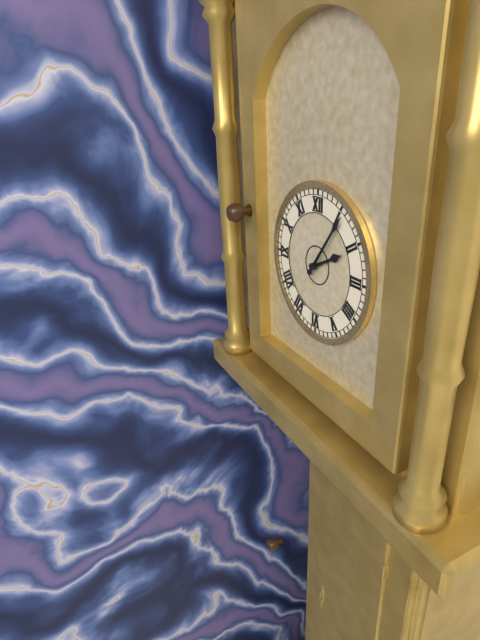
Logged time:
2h06
